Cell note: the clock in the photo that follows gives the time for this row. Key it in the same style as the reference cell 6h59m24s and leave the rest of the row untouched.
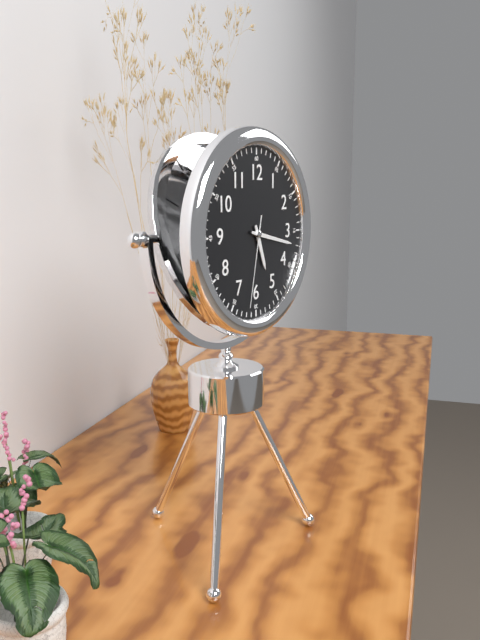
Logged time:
5h17m32s
